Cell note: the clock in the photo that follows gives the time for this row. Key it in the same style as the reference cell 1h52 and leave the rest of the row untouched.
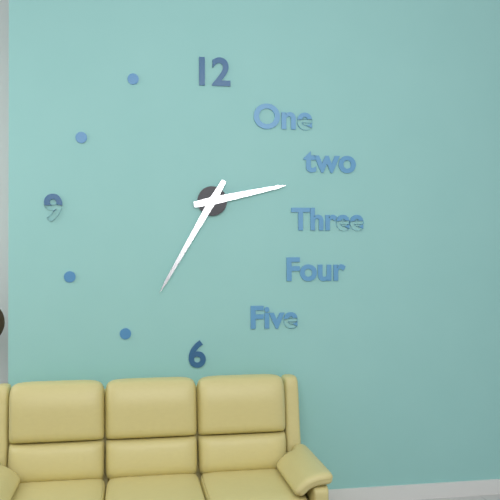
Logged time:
2h35
